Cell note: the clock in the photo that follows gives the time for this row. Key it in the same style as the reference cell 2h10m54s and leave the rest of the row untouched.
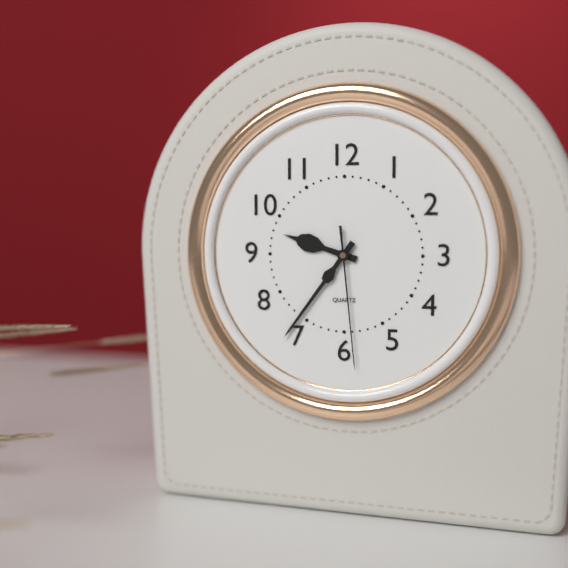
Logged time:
9h36m29s
